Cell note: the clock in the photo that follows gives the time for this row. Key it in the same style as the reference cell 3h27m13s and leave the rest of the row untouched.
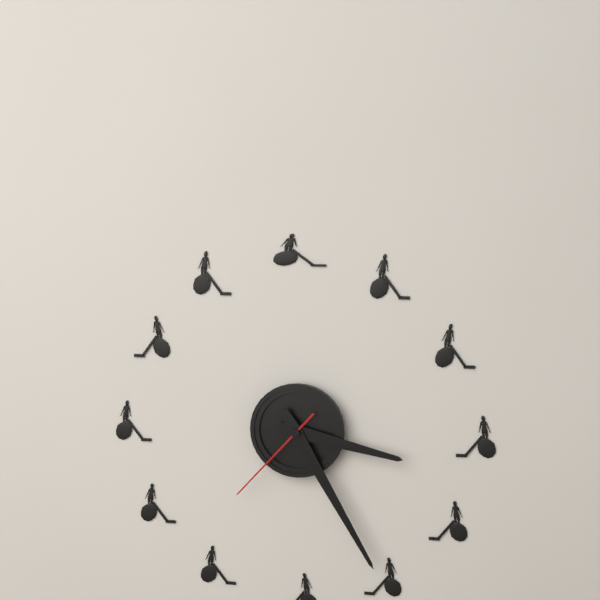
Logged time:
3h25m37s
